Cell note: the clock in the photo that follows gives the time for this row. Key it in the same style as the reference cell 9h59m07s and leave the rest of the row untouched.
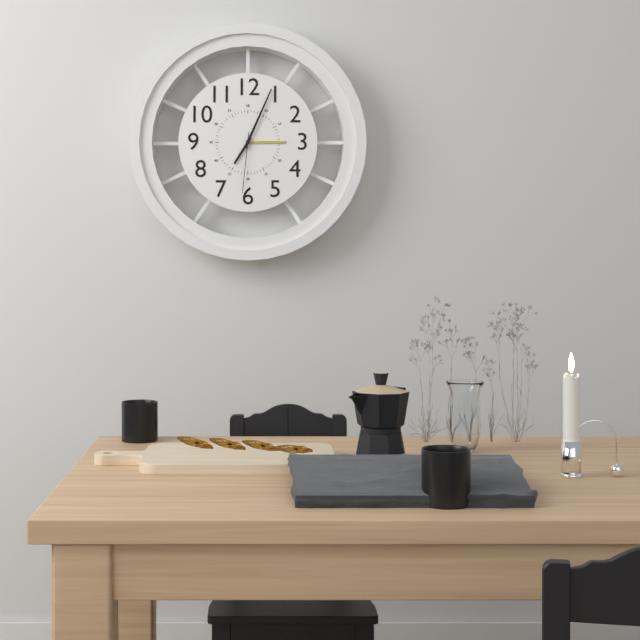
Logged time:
7h04m31s
